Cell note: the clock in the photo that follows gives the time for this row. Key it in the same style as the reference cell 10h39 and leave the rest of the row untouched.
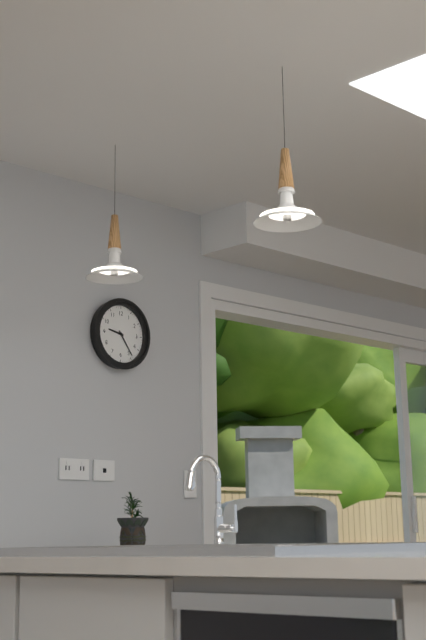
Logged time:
9h24
